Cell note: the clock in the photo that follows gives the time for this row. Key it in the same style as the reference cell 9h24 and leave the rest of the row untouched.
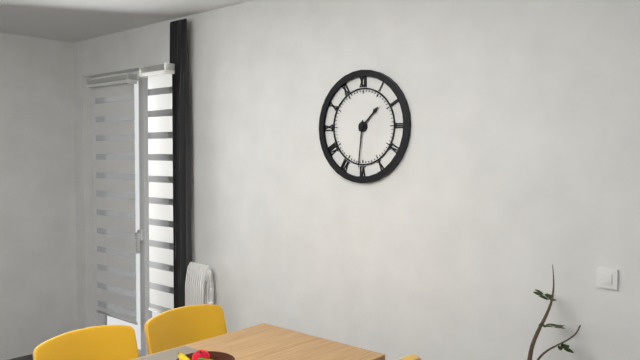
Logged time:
1h31
